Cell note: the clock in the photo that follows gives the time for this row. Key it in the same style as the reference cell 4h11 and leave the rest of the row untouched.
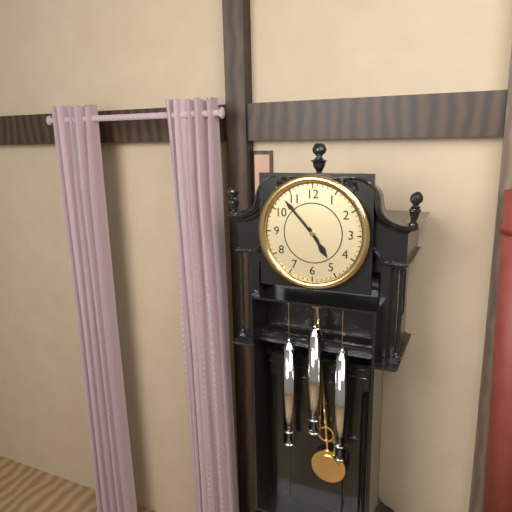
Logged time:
4h53
